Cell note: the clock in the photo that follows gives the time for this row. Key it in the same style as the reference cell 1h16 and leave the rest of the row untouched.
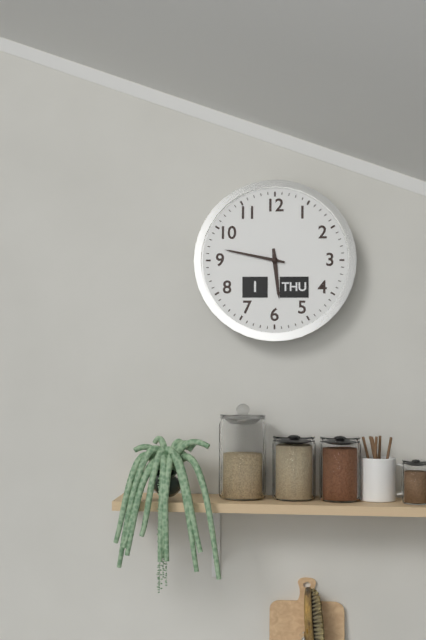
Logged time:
5h47
